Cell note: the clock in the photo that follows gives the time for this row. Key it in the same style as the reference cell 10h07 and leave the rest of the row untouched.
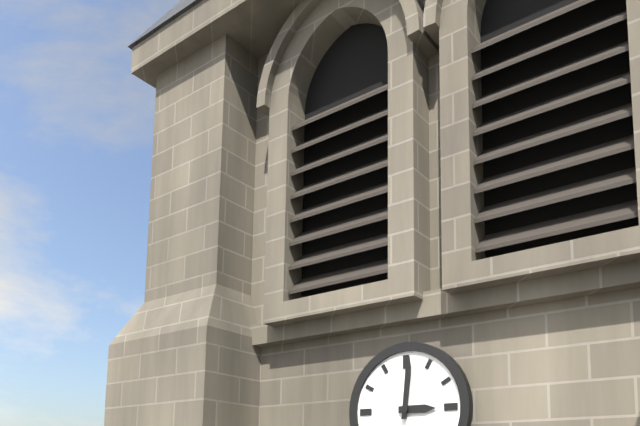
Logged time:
3h01
